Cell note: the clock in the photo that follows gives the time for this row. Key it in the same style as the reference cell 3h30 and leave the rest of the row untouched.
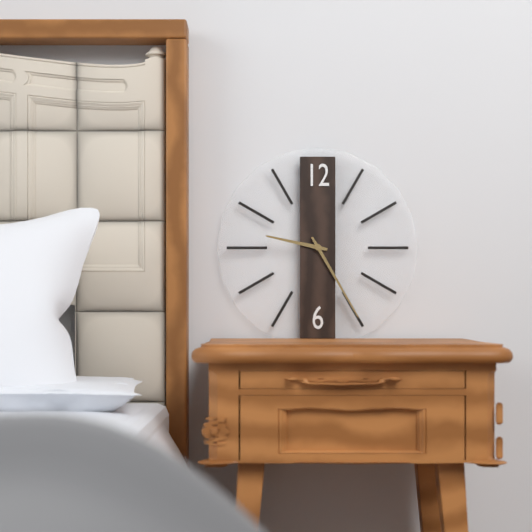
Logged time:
9h25
